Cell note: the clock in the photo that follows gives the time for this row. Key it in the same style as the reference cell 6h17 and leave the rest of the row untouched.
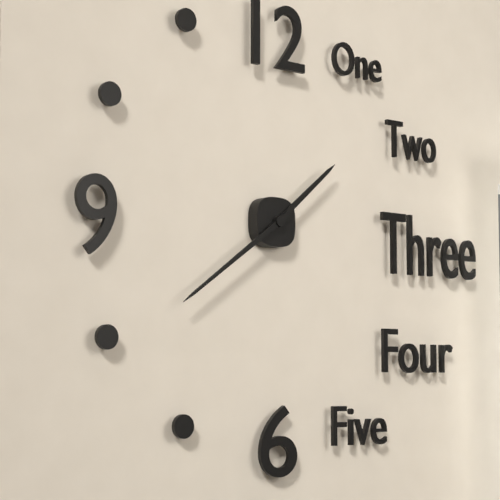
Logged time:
1h39
